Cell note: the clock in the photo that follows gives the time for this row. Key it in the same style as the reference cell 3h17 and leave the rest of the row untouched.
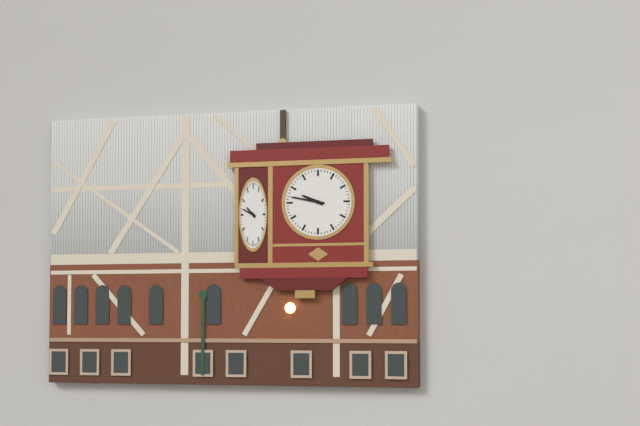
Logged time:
9h47
